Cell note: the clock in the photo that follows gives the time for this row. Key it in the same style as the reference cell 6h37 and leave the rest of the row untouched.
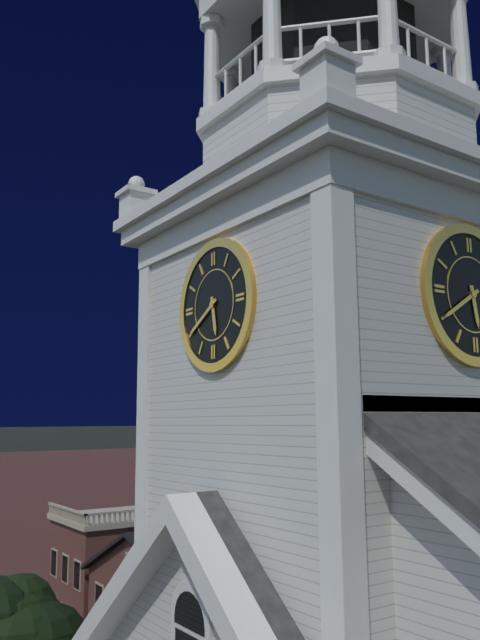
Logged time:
5h40
